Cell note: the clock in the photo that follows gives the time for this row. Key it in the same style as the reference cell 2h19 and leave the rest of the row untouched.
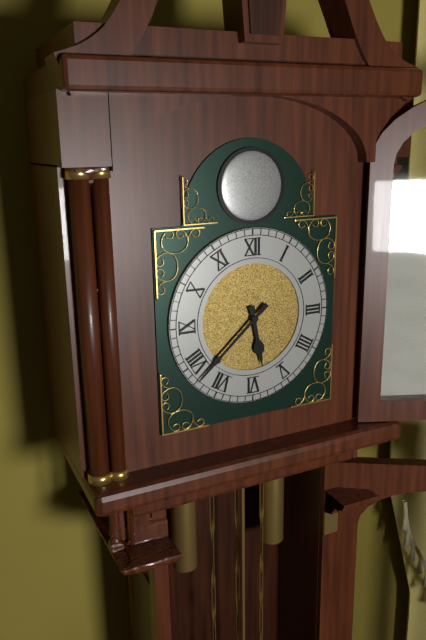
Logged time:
5h38
